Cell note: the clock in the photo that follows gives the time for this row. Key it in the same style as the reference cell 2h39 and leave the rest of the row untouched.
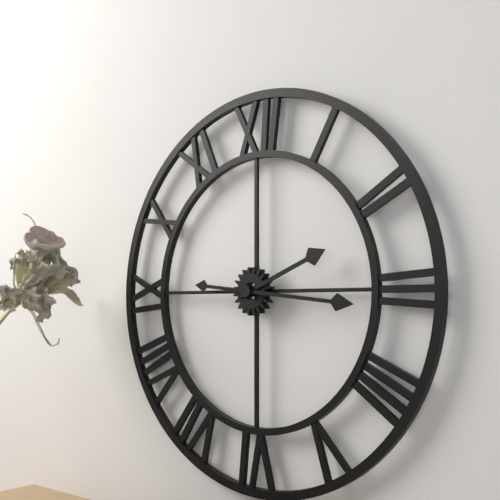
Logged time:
2h16
